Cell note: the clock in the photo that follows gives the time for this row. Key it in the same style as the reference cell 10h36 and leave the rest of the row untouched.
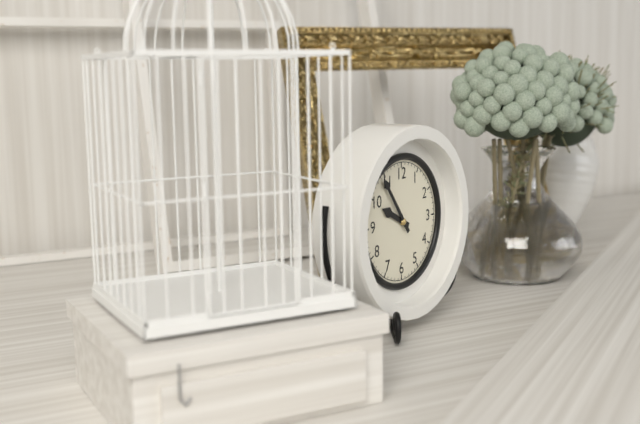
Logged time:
9h54
